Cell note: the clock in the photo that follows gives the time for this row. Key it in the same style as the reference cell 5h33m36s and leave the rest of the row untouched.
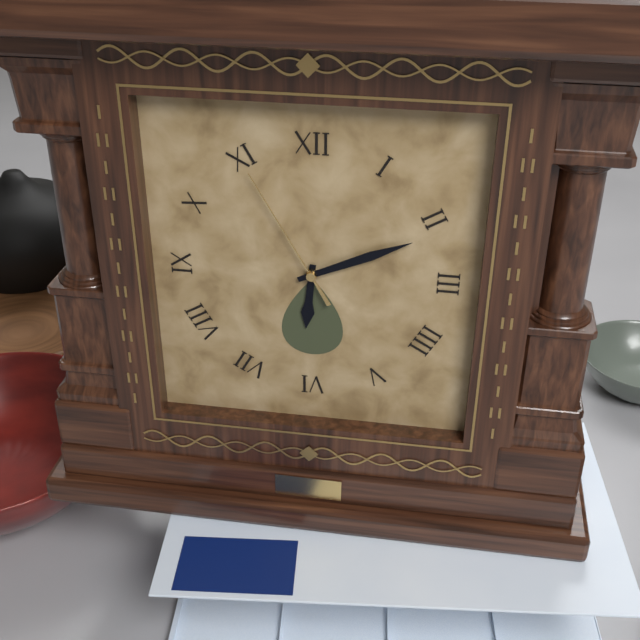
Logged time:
6h11m55s
